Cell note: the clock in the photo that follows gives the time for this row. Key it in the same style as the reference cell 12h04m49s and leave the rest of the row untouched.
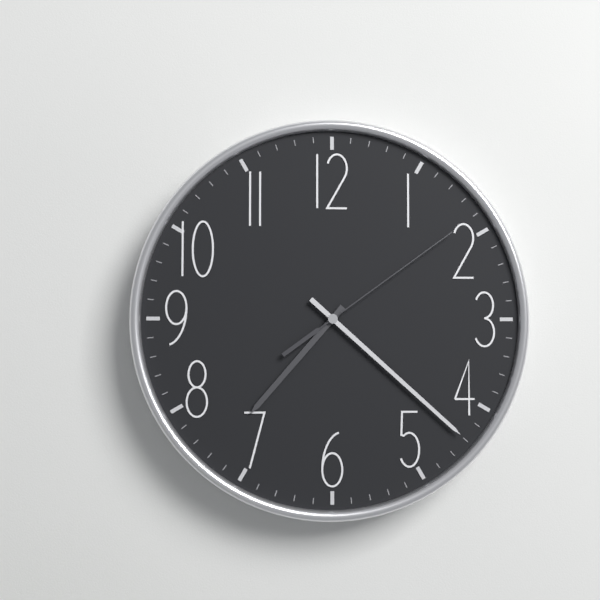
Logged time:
7h22m09s
